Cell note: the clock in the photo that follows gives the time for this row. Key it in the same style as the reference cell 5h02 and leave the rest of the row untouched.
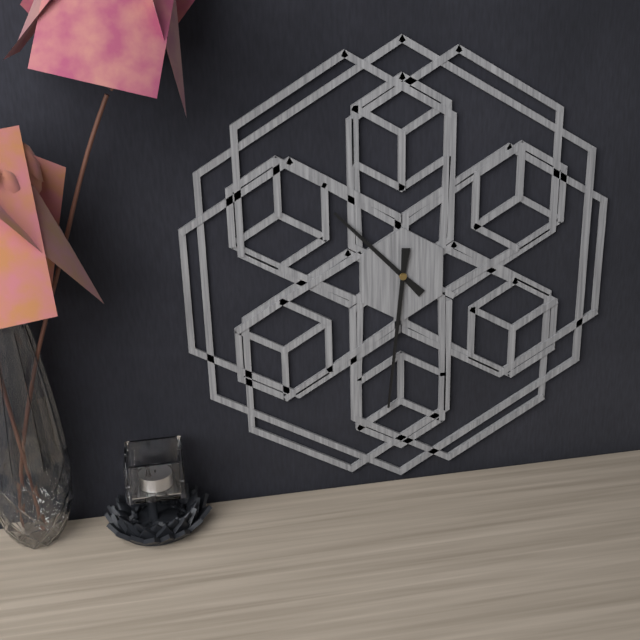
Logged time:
10h31
